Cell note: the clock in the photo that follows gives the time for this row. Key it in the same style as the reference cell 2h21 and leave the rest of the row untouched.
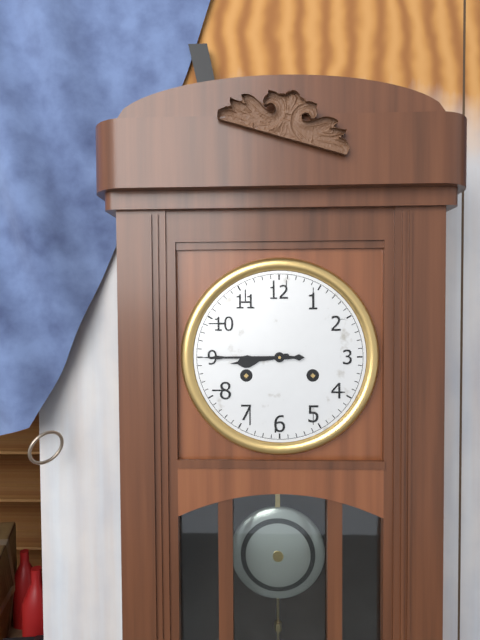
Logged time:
8h45
